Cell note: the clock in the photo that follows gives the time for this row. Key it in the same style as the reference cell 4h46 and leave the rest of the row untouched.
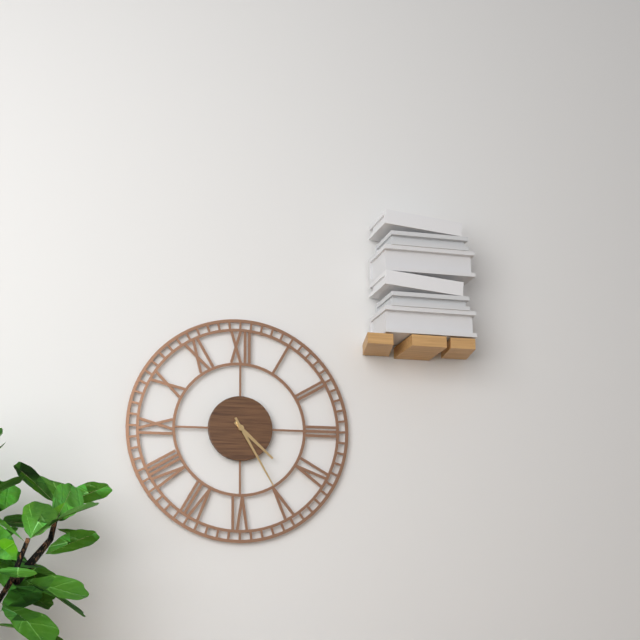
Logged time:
4h25
